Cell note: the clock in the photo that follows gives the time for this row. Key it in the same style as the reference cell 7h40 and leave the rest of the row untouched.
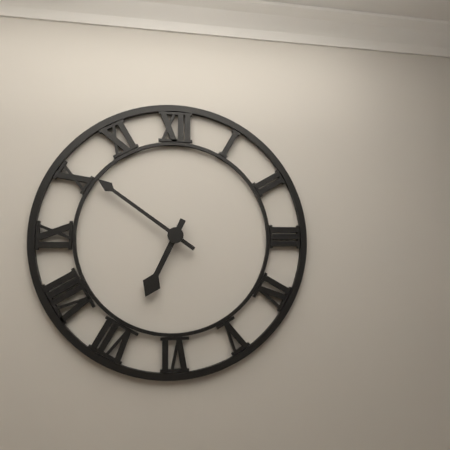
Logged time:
6h51
